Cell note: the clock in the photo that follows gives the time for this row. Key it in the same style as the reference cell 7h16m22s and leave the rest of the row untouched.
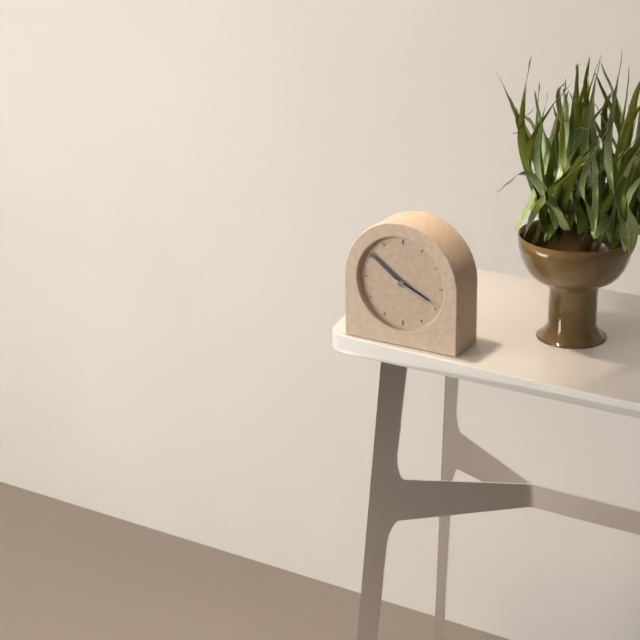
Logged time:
3h51m19s
